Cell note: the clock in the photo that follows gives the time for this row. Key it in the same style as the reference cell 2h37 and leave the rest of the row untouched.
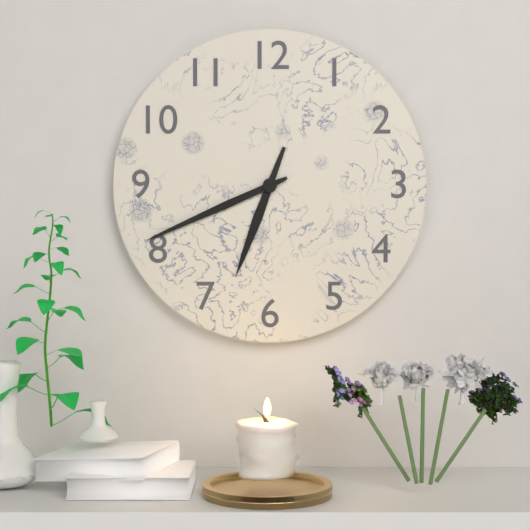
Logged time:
6h41
